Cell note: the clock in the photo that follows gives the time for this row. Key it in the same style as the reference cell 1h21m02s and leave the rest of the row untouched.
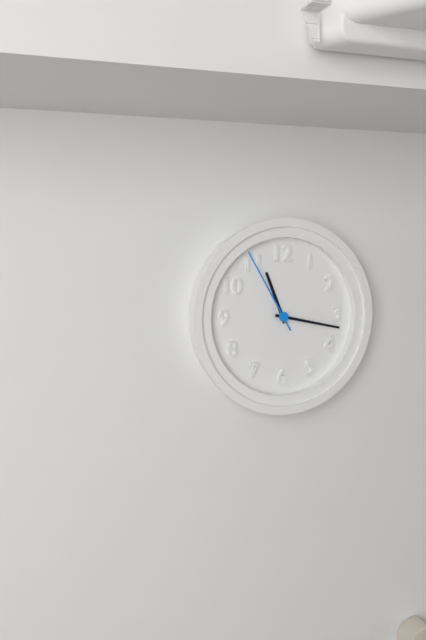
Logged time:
11h17m55s
